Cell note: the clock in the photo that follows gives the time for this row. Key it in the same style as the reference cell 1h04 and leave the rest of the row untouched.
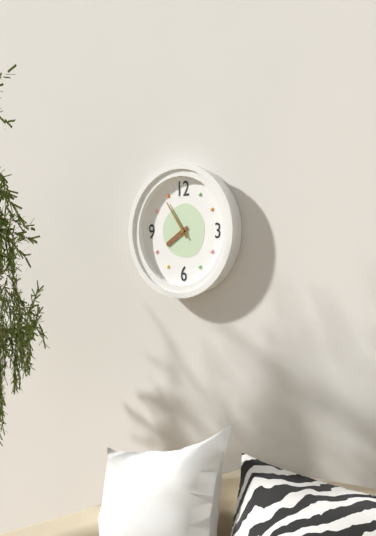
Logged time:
7h54
